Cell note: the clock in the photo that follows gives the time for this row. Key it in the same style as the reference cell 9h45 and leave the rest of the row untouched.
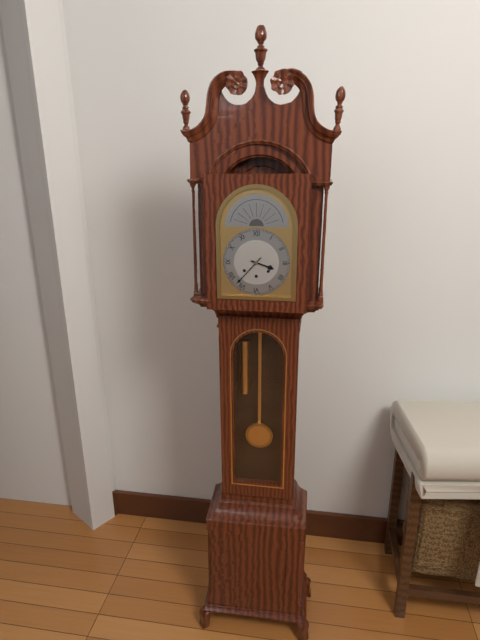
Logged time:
3h37
